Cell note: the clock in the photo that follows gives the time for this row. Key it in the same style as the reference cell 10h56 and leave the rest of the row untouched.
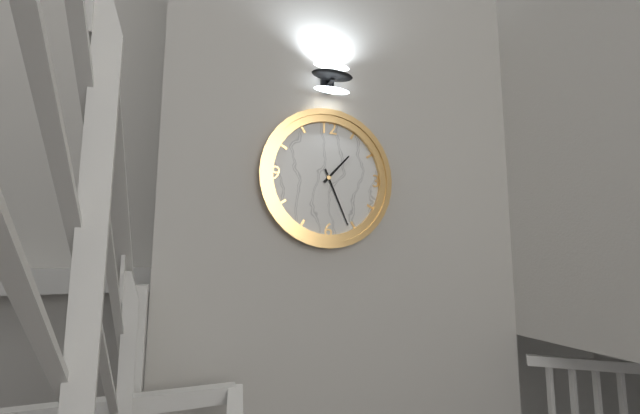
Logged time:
1h26
